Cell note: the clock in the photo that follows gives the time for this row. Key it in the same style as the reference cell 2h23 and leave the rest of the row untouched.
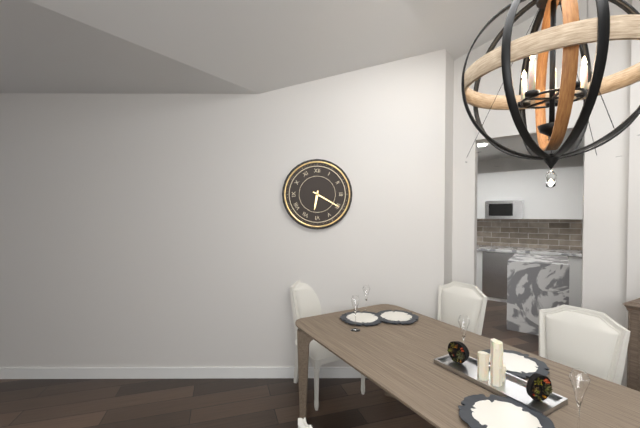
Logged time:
6h20
